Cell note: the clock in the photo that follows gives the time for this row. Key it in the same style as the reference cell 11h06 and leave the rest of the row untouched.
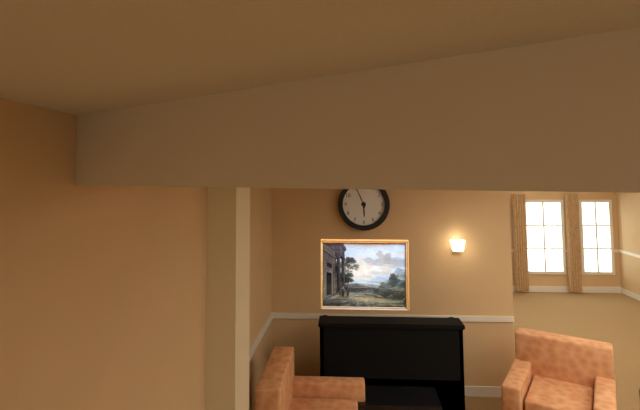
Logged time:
5h56
